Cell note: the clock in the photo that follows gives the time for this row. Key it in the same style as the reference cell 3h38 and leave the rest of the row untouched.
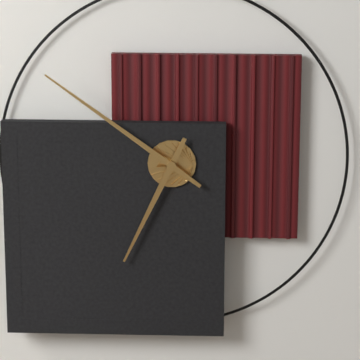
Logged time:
6h51
